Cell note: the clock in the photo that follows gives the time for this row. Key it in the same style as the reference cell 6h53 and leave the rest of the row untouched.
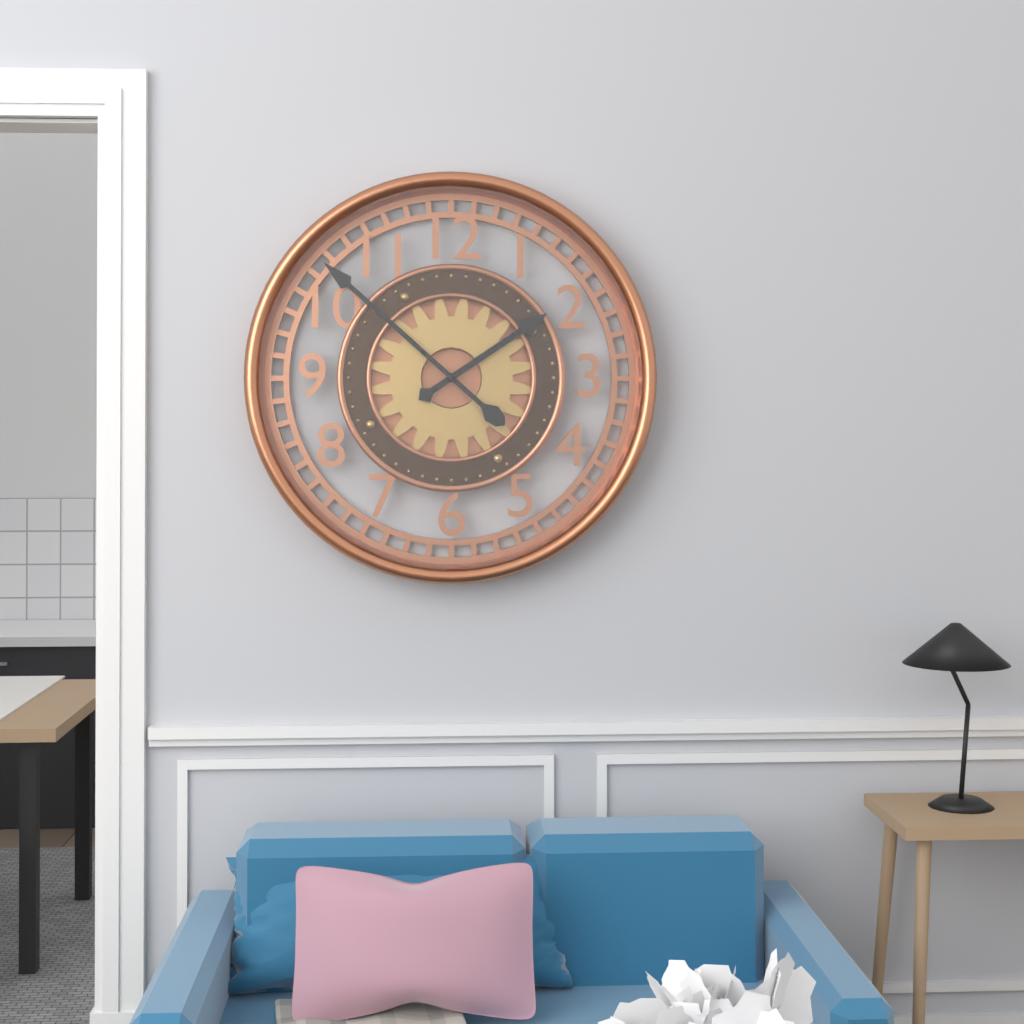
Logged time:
1h52
